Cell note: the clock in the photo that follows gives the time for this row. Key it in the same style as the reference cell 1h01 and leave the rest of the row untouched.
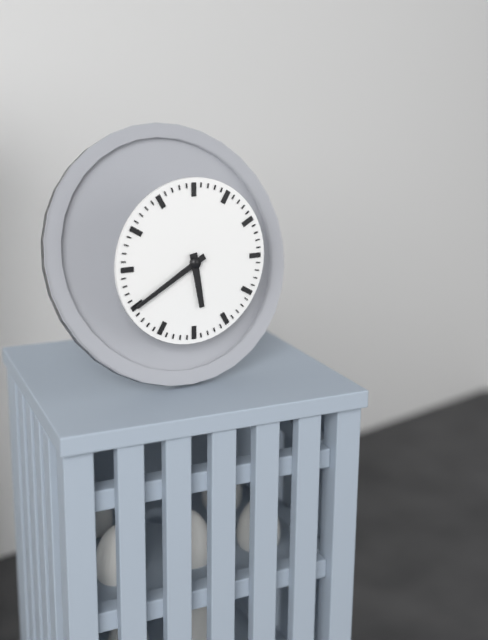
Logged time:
5h40
